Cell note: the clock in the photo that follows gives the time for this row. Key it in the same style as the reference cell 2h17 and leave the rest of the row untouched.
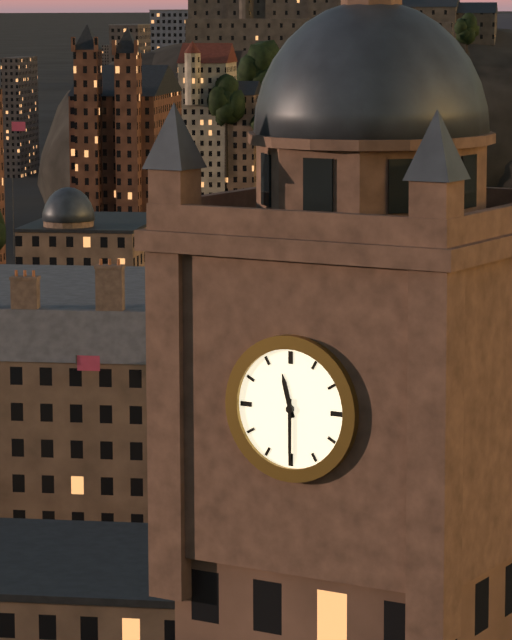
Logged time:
11h30
